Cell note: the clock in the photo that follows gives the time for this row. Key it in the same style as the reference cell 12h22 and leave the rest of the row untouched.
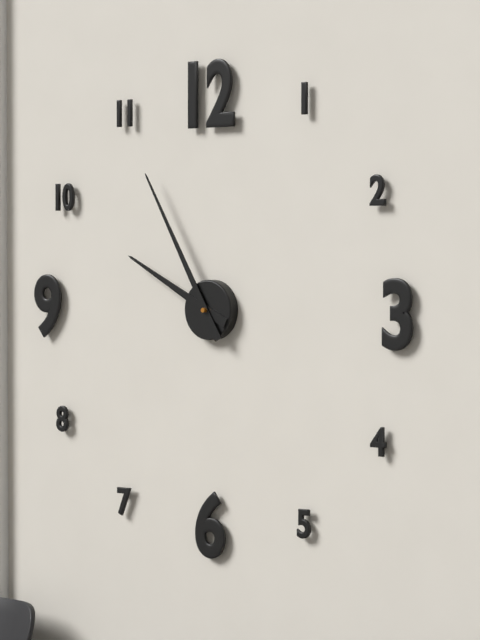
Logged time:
9h55
